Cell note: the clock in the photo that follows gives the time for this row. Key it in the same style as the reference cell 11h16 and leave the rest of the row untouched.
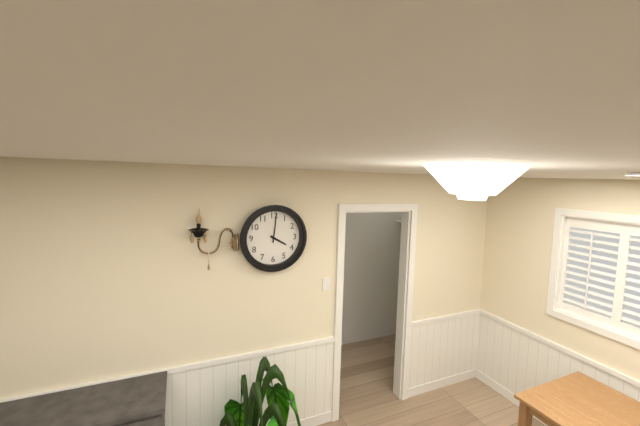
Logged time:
4h01
